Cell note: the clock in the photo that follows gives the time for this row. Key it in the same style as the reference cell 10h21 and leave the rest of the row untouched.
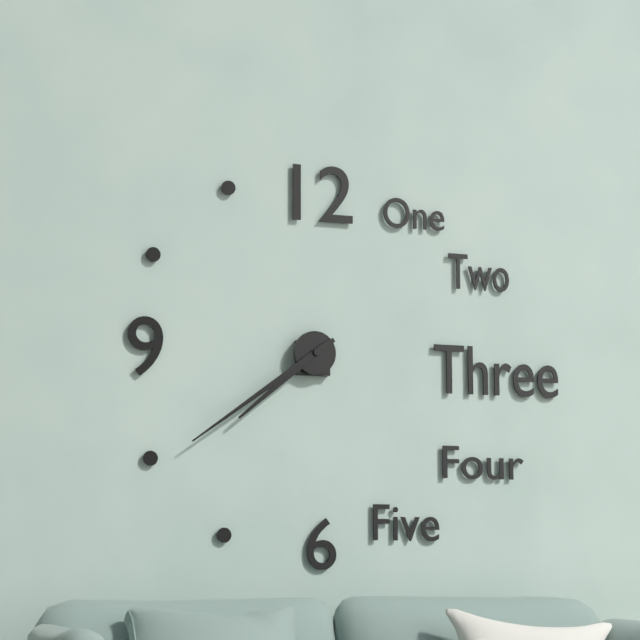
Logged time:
7h39
